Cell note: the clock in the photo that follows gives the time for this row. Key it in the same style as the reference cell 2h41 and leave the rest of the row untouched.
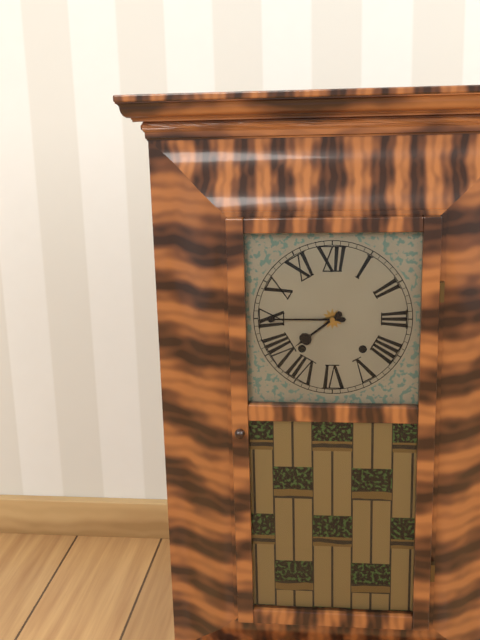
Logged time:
7h45
